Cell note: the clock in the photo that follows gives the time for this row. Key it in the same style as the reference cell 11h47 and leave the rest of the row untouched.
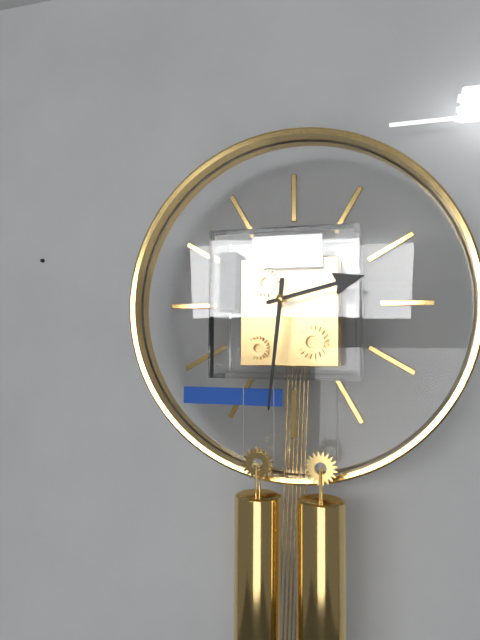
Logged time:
2h31
